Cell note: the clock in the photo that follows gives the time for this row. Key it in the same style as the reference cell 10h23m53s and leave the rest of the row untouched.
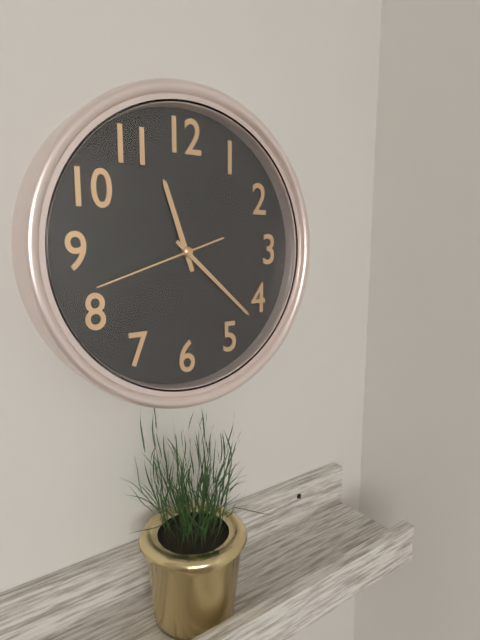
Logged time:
11h22m42s
